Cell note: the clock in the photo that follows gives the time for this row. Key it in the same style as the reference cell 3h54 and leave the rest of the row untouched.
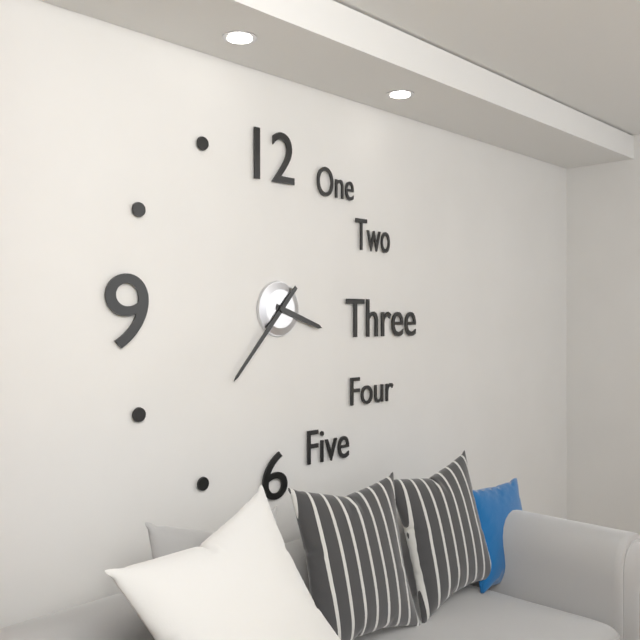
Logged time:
3h37
